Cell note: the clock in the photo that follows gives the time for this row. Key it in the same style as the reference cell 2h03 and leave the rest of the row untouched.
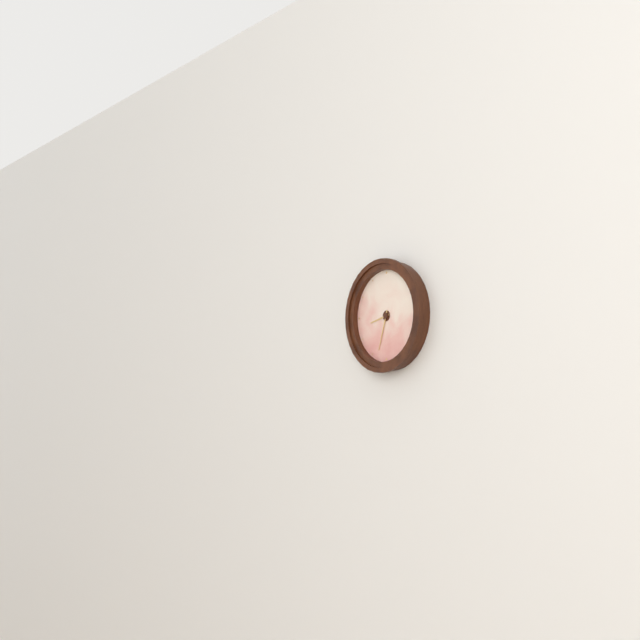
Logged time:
8h33
